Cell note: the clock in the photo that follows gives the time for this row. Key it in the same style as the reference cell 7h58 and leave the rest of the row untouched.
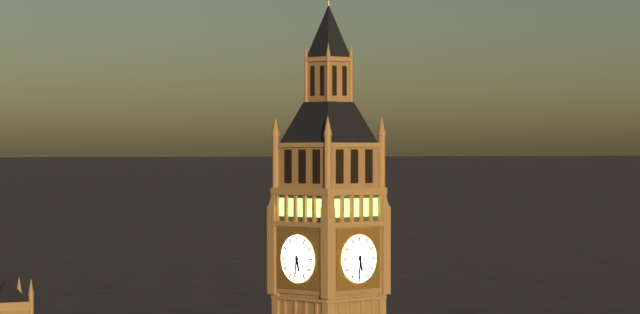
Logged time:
5h31
